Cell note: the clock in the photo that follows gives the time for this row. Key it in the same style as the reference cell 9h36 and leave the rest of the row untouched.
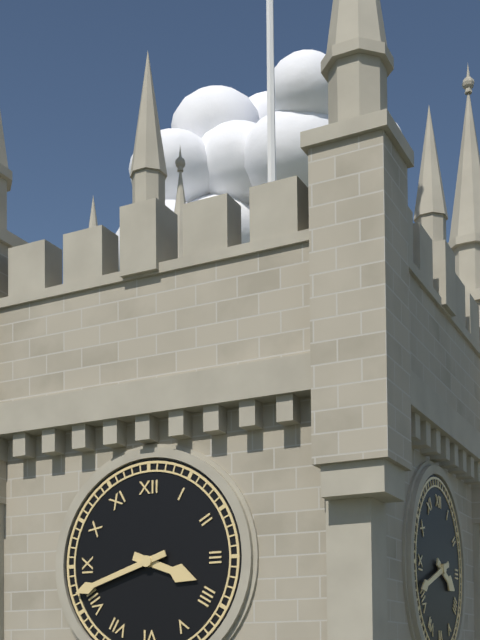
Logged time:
3h42
